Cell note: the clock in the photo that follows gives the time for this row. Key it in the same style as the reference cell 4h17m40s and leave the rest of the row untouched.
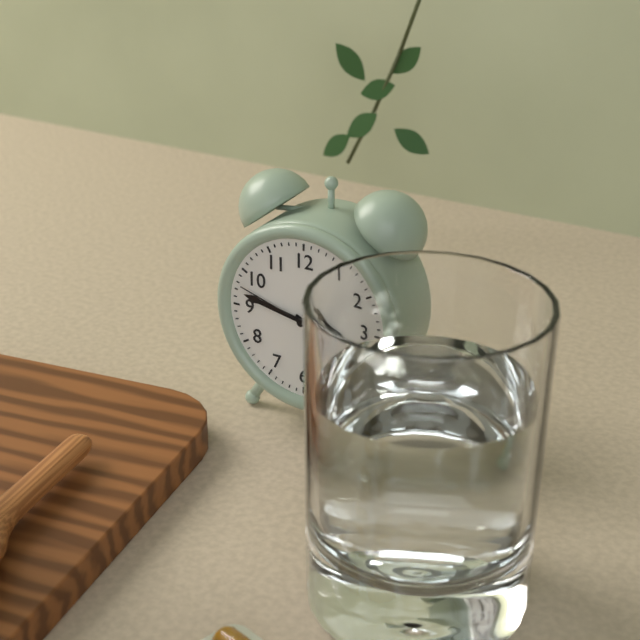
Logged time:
3h47m48s
